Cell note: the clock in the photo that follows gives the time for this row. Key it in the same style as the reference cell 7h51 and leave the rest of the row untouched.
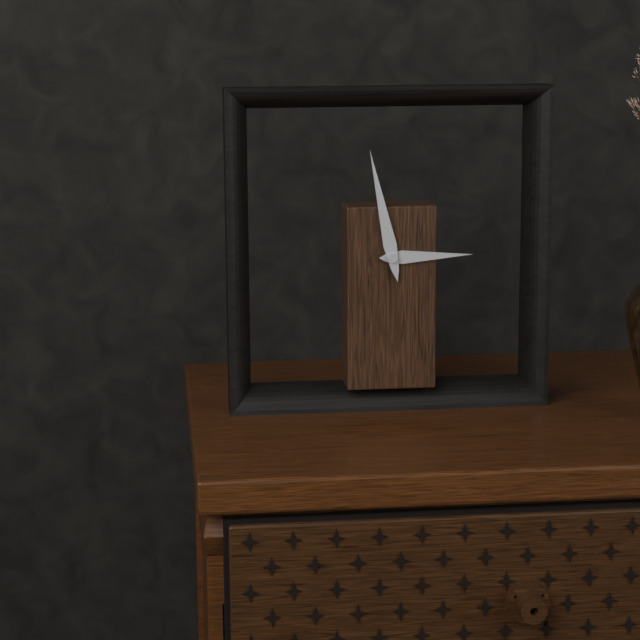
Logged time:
2h58
